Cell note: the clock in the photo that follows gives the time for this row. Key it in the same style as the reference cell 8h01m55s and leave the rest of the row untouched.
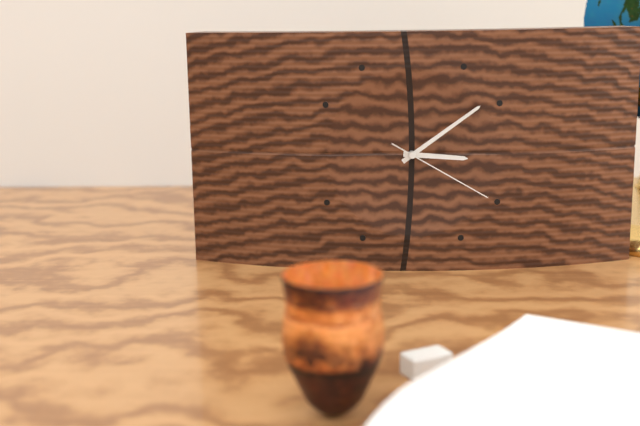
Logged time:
3h09m20s
